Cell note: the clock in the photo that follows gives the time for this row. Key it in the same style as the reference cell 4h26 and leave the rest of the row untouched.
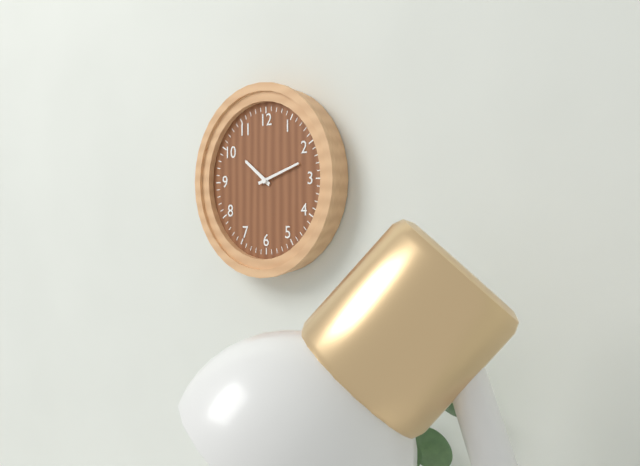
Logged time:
10h12
